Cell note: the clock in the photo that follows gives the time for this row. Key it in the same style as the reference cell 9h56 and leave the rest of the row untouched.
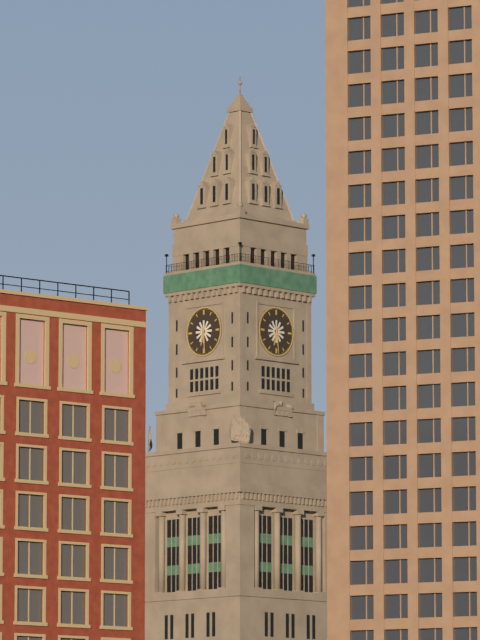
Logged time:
6h29
